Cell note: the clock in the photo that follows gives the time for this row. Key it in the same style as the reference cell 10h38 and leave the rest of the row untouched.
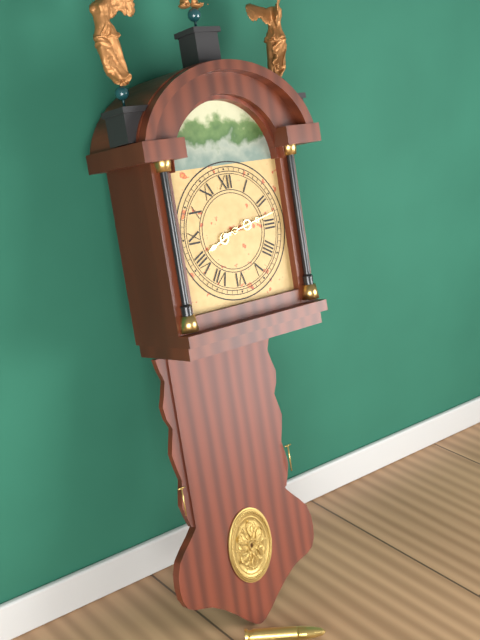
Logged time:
8h13
